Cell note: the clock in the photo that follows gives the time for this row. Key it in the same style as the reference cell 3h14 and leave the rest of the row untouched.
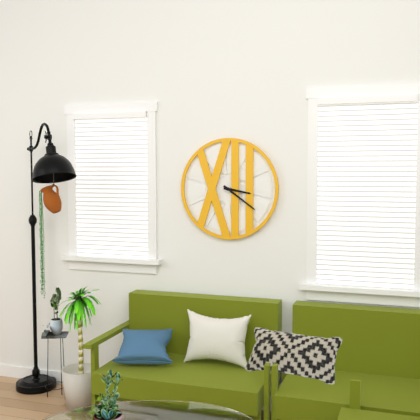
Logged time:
3h21
